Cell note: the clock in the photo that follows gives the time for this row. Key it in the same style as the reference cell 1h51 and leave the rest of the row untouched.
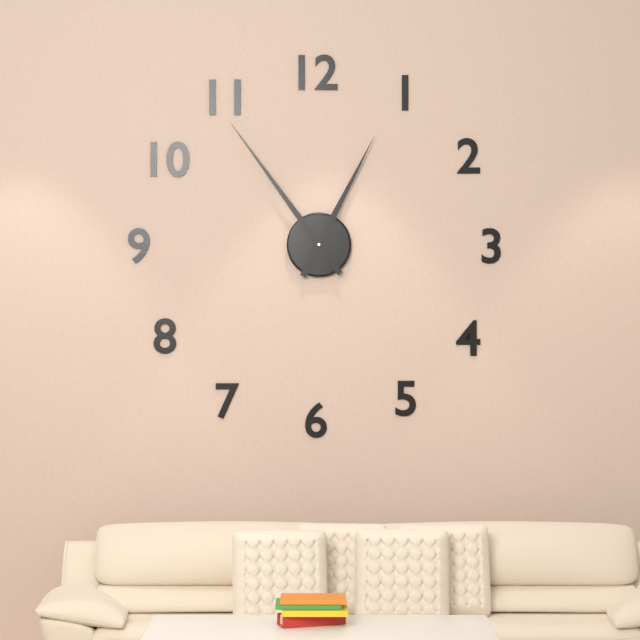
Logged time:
12h54
